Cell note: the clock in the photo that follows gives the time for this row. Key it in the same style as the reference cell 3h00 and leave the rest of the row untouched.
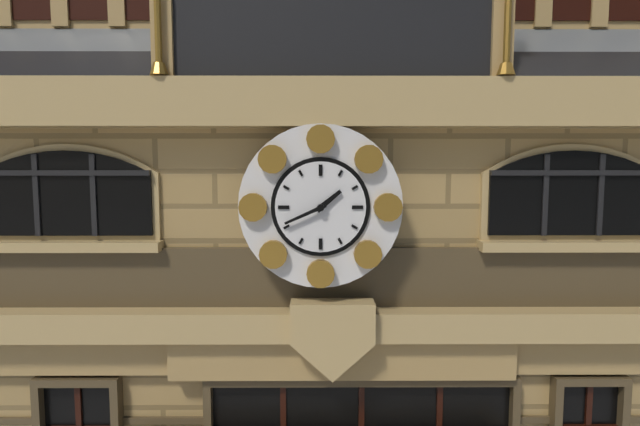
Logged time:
1h41
